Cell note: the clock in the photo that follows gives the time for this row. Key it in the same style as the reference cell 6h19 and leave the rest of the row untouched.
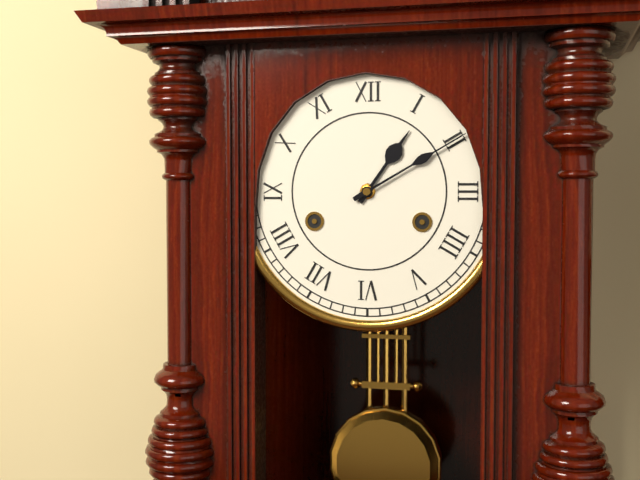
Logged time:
1h10
